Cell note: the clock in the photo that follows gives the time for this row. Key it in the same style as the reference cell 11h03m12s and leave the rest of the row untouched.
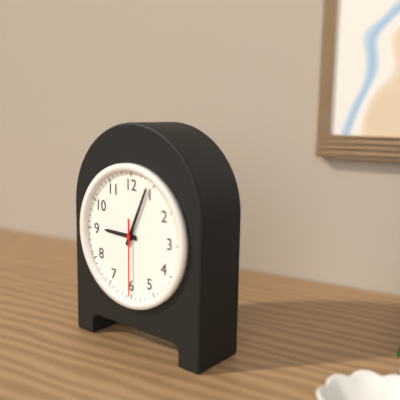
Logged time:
9h04m30s
